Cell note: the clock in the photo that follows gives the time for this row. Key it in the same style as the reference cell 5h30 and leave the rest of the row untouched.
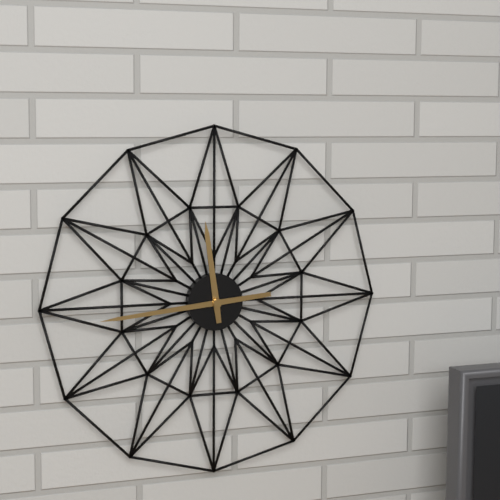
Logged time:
11h44
